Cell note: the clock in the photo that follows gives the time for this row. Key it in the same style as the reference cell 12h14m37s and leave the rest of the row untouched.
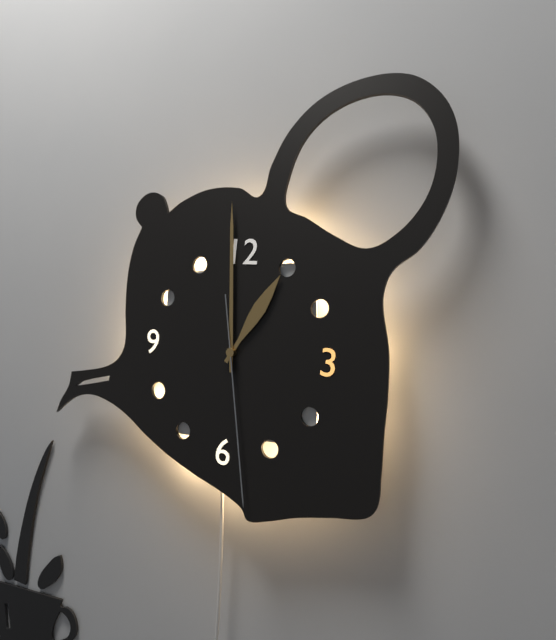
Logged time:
12h59m28s
